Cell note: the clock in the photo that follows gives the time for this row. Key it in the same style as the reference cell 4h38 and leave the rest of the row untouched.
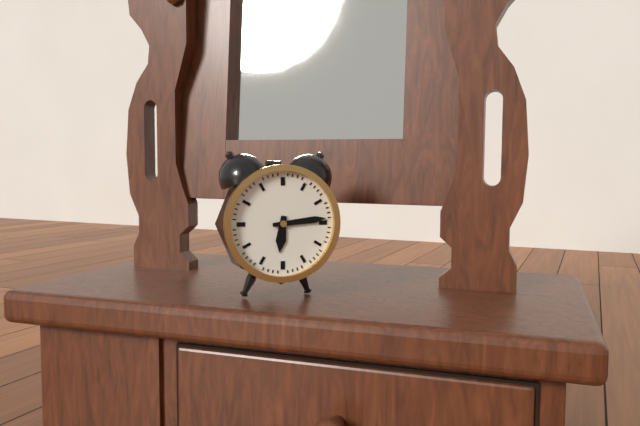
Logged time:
6h14
